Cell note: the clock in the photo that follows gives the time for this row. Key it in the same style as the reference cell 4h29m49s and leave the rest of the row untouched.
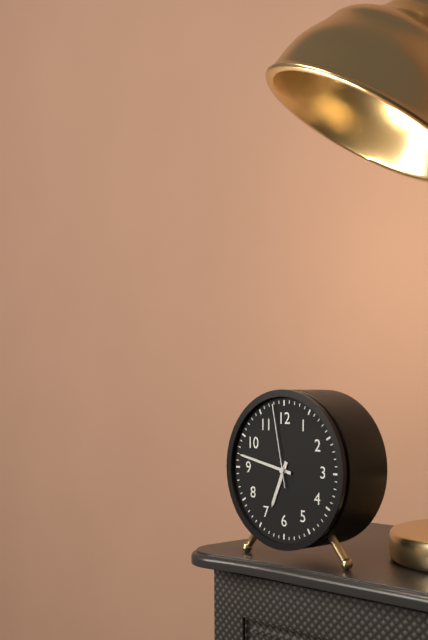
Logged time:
6h47m58s
